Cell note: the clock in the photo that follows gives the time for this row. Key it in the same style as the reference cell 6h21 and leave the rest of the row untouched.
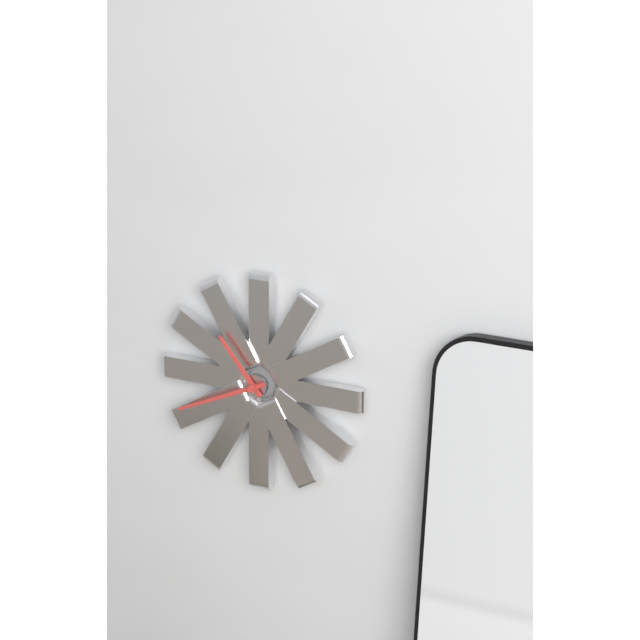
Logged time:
10h41
